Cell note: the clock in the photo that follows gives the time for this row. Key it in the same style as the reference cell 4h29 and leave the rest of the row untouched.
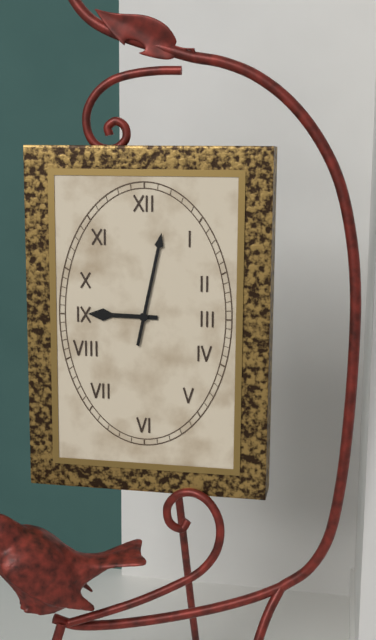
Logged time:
9h02
